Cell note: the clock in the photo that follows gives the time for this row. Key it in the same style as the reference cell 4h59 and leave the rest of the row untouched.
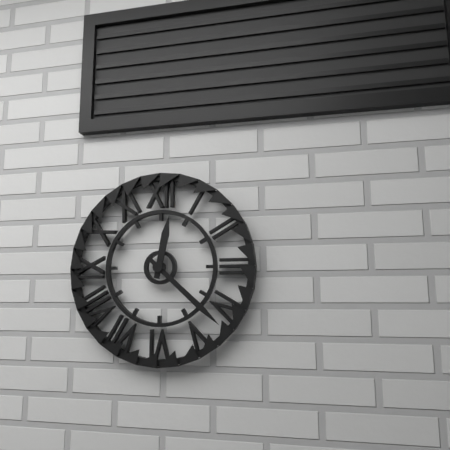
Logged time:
12h22
